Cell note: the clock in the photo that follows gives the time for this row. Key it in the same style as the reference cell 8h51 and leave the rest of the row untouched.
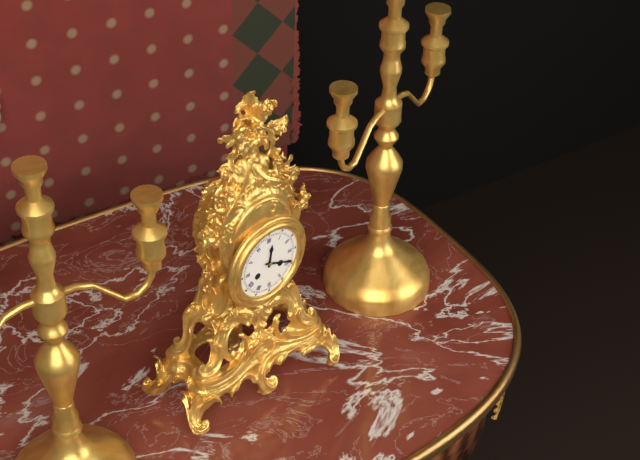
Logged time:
12h19
